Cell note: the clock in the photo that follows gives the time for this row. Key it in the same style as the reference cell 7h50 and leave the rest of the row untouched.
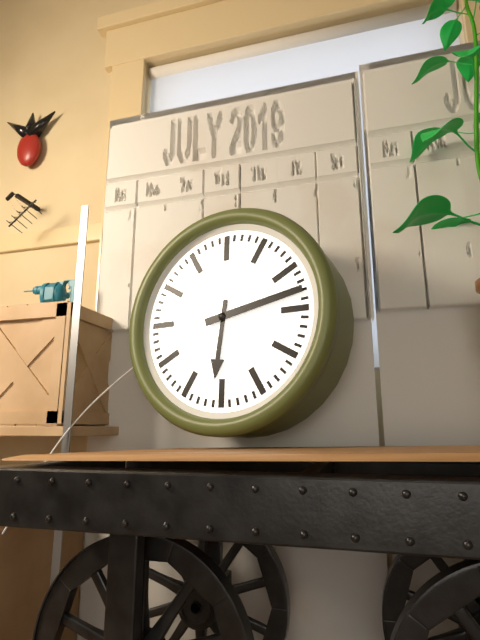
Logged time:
6h13
